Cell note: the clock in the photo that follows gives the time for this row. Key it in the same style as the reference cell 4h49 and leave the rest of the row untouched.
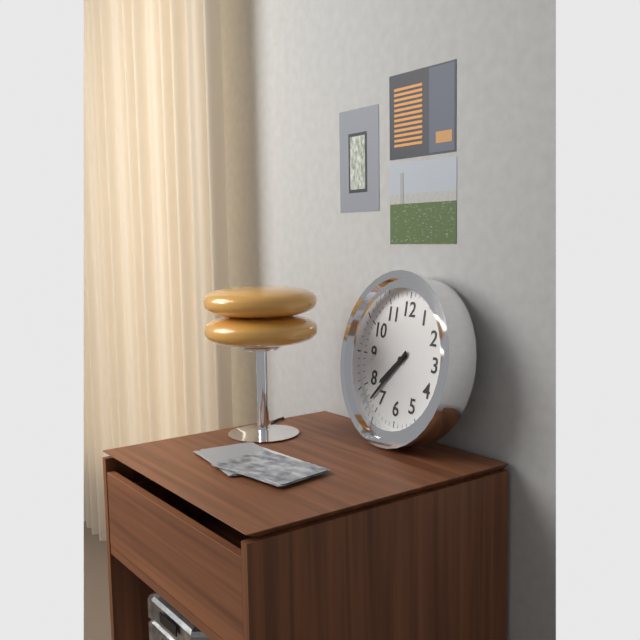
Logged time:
7h37
